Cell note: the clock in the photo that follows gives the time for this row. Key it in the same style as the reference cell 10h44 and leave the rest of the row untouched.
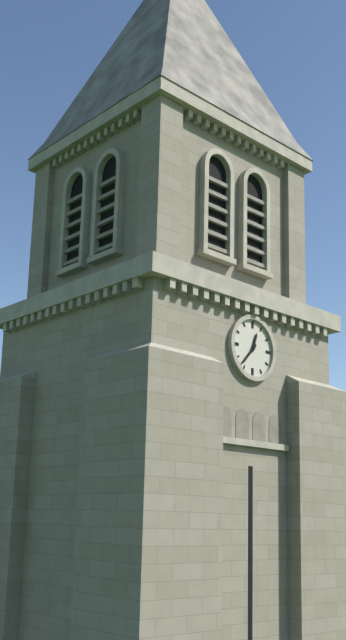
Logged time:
12h37
